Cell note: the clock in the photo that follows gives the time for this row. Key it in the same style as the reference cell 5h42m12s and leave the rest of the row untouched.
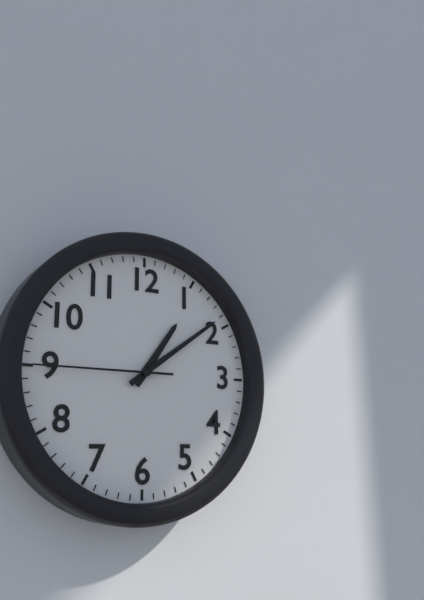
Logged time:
1h09m45s
